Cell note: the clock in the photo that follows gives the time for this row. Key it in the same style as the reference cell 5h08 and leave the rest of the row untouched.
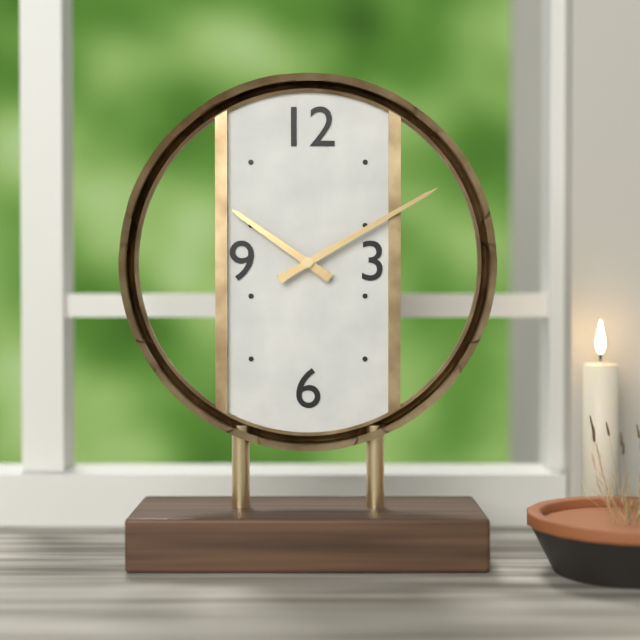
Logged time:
10h10
